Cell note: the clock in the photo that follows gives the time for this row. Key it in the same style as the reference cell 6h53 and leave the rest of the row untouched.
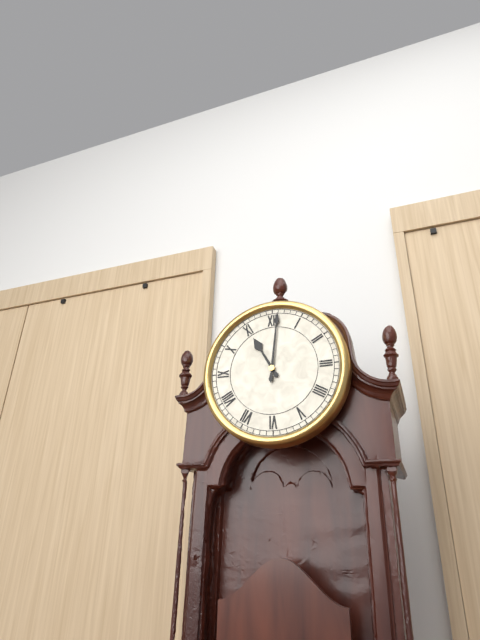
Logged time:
11h01
